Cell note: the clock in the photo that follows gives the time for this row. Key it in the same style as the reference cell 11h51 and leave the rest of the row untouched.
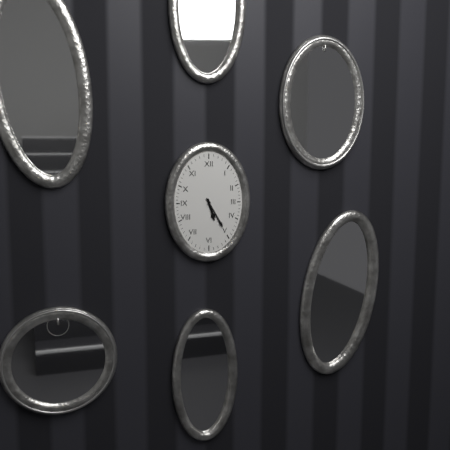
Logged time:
5h25
